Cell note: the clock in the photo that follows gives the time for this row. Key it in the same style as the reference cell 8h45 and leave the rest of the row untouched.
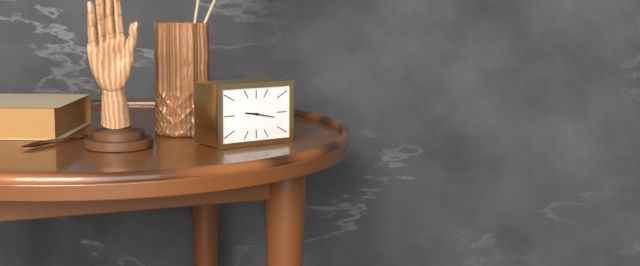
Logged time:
9h17
